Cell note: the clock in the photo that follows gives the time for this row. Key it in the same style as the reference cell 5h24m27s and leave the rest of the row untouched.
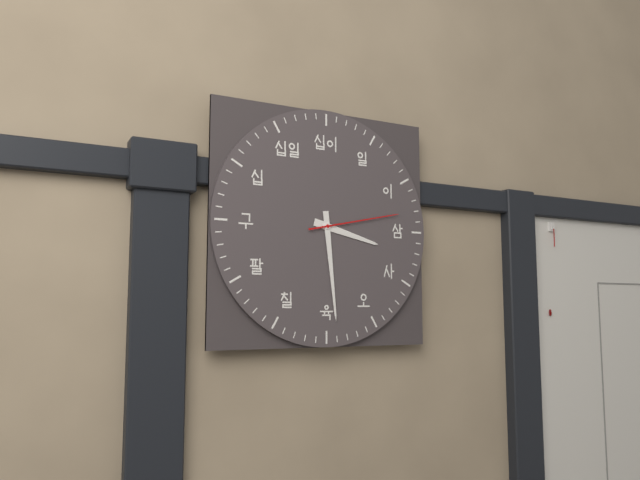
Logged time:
3h29m13s
